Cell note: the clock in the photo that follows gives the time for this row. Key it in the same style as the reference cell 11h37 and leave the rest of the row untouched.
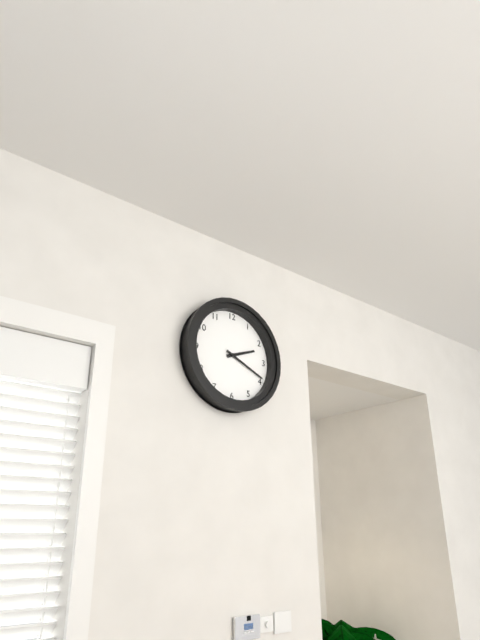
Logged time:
2h19
